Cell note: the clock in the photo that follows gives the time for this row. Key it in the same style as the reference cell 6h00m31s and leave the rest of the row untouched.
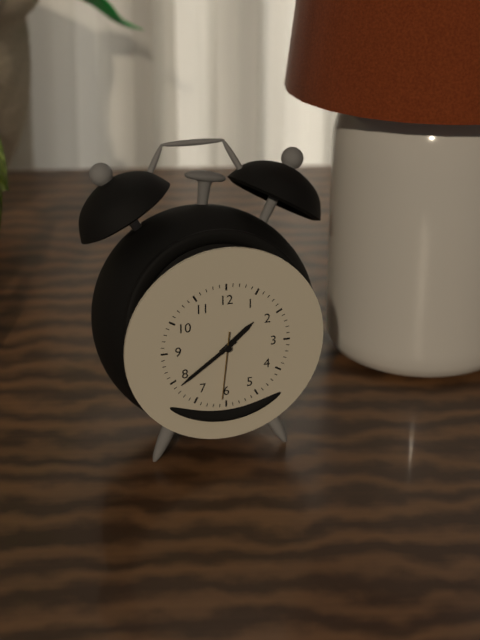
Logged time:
1h39m31s
